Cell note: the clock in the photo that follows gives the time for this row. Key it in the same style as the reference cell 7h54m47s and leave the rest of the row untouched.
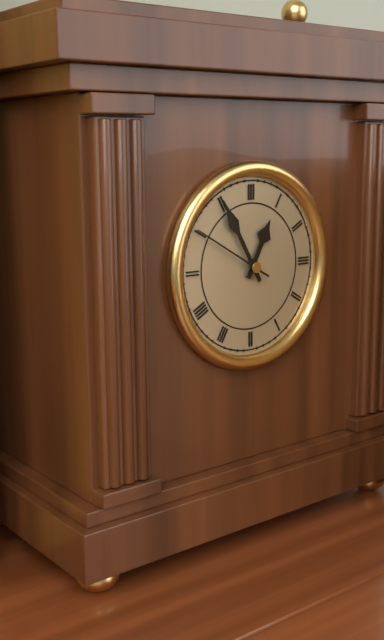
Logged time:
12h55m50s
